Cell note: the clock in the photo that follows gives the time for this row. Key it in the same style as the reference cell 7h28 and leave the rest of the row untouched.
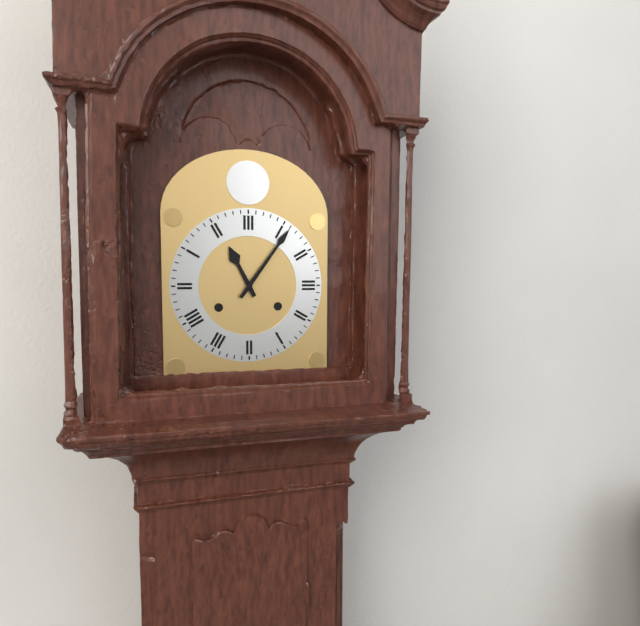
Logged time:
11h06
